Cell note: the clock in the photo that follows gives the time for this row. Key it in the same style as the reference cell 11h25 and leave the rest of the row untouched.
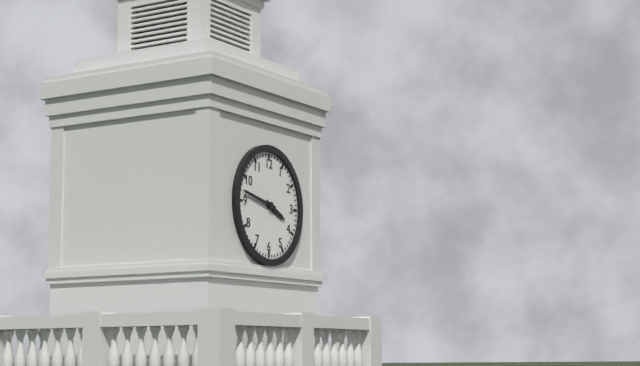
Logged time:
3h47
